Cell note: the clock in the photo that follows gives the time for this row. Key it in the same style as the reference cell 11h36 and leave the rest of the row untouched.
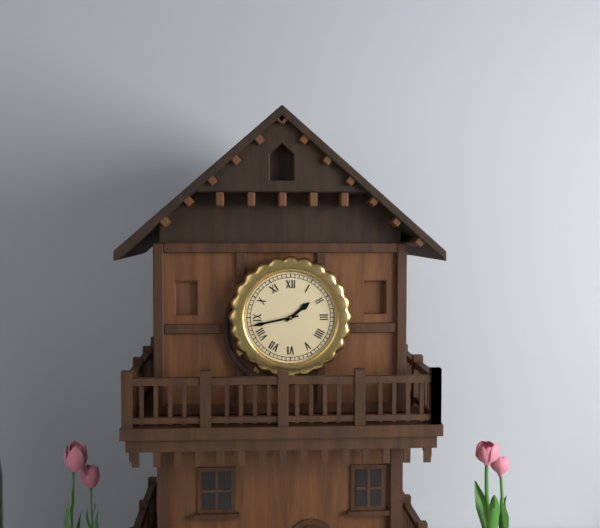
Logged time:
1h43
